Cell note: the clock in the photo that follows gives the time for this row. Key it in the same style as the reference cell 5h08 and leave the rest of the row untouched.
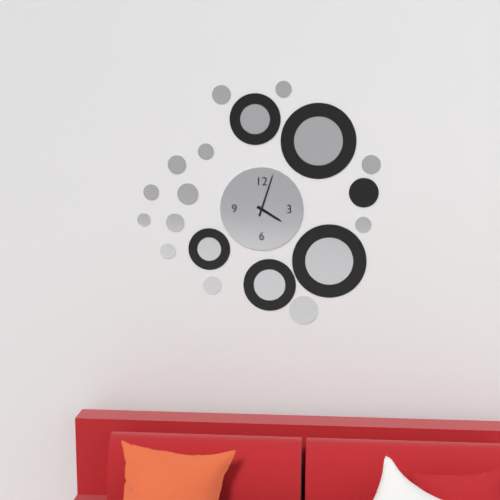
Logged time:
4h03
